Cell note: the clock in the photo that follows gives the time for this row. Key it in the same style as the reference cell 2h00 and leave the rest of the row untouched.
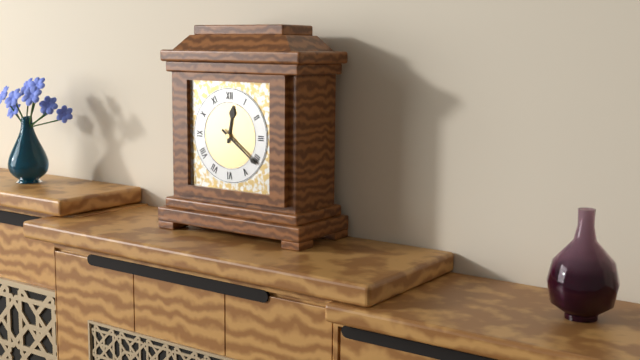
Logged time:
12h21
